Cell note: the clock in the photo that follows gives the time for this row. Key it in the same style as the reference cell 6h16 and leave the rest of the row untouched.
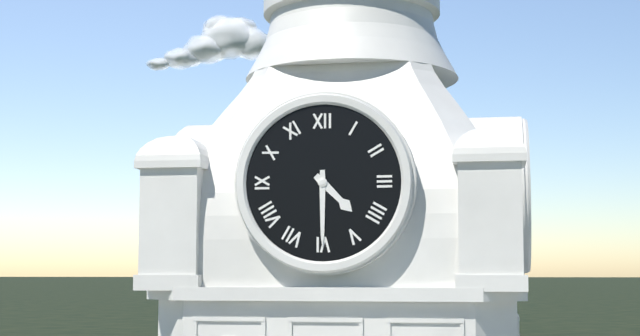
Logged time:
4h30
